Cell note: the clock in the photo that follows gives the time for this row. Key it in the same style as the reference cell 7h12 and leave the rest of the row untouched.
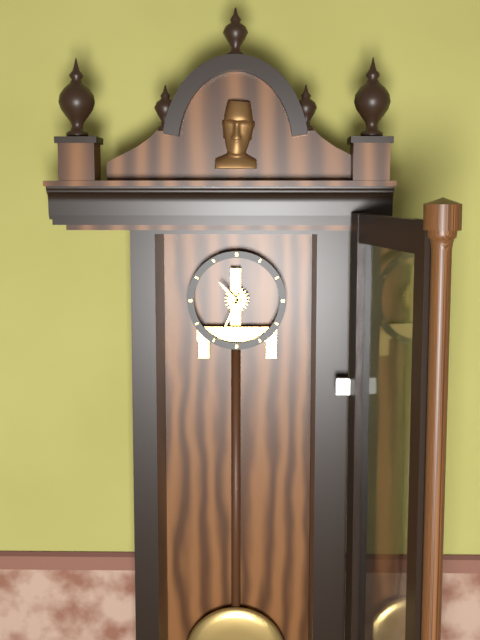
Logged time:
10h34
